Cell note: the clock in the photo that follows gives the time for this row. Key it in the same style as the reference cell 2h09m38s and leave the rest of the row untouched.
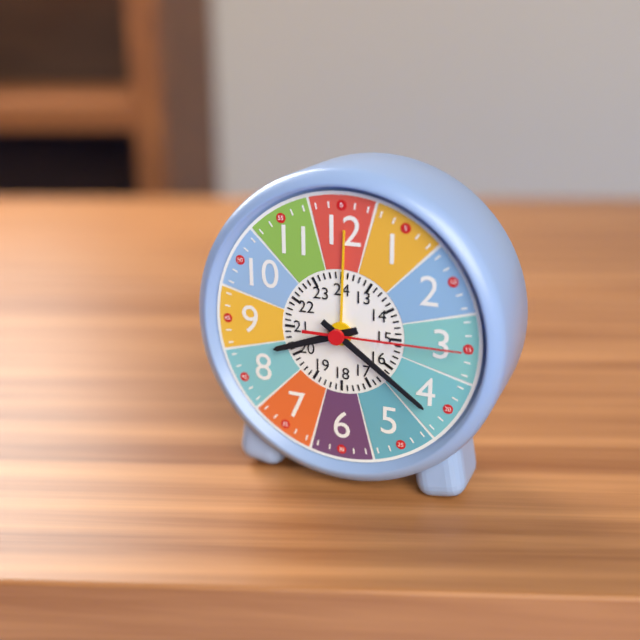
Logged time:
8h21m15s
